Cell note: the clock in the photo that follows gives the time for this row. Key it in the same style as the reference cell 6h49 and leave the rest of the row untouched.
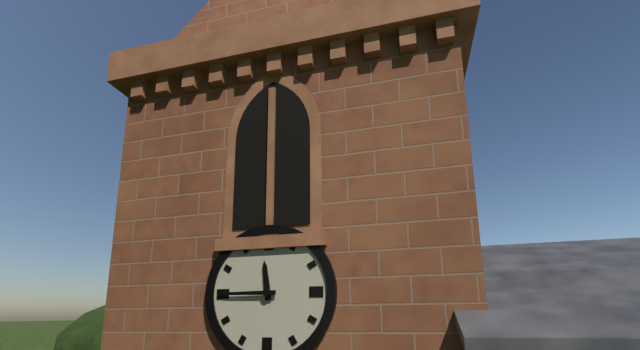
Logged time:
11h45
